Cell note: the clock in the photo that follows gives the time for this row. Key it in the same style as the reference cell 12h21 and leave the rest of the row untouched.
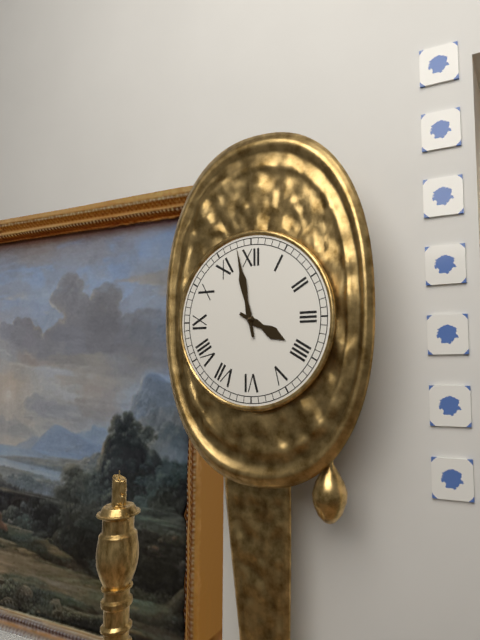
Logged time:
3h58
